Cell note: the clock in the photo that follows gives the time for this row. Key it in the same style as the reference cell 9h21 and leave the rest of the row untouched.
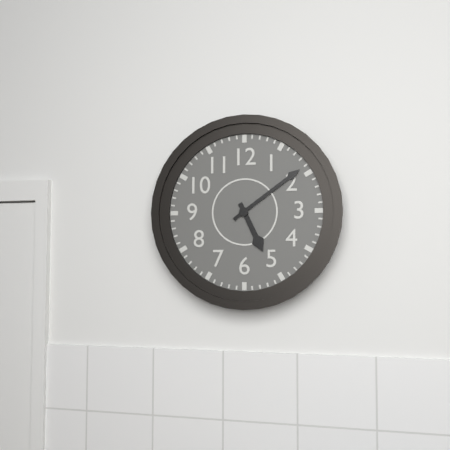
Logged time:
5h09
